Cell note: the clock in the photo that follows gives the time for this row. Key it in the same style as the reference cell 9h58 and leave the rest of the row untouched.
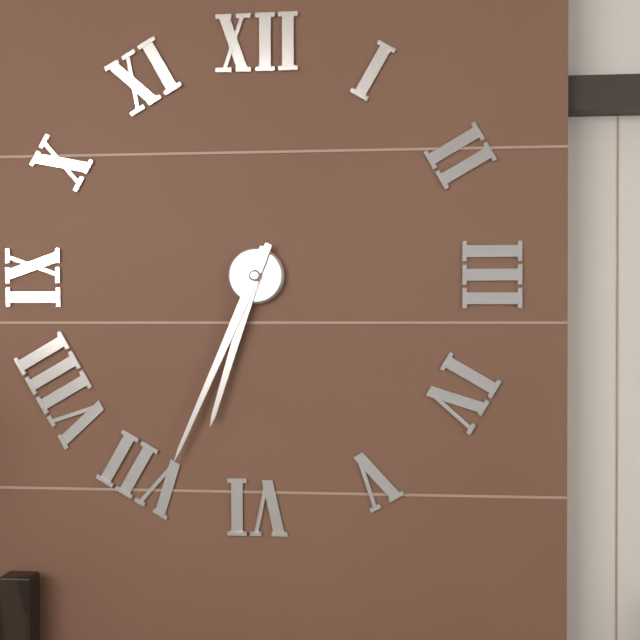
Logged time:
6h34
